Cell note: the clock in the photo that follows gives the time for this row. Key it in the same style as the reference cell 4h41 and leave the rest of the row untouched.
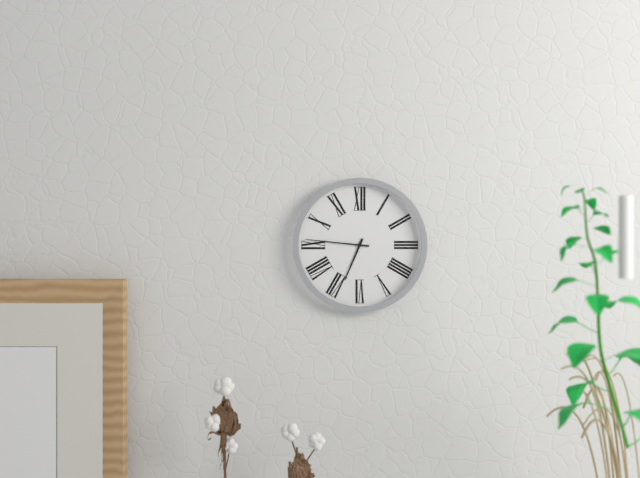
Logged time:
6h46
